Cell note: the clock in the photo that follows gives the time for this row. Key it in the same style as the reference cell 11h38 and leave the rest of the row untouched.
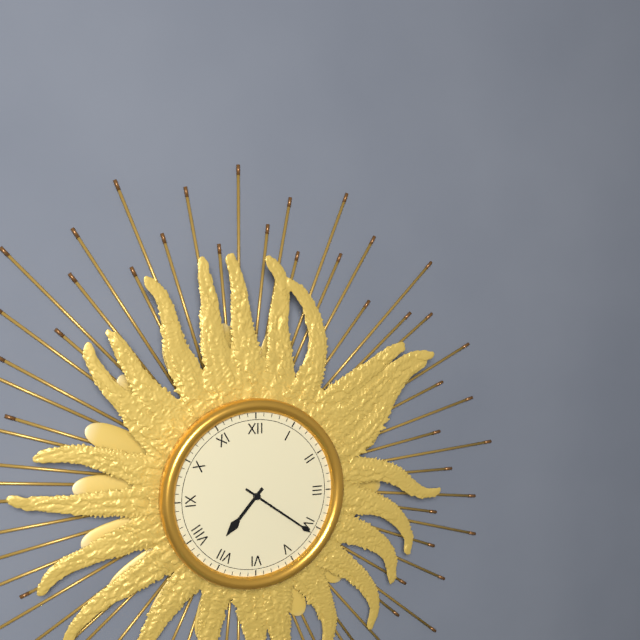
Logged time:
7h21
